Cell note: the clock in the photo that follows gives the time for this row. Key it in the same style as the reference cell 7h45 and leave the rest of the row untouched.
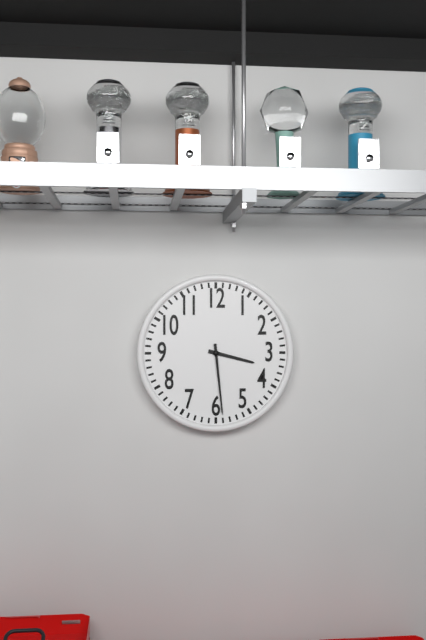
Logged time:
3h29
